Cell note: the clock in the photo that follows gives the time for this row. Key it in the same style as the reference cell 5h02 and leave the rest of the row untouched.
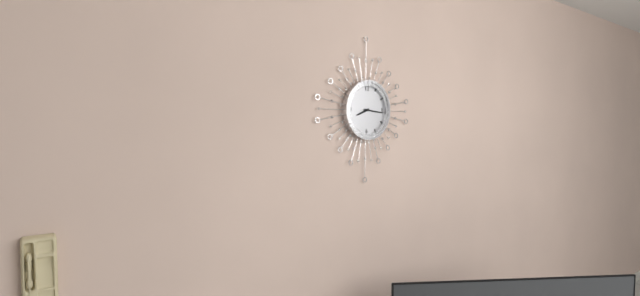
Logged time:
8h16
